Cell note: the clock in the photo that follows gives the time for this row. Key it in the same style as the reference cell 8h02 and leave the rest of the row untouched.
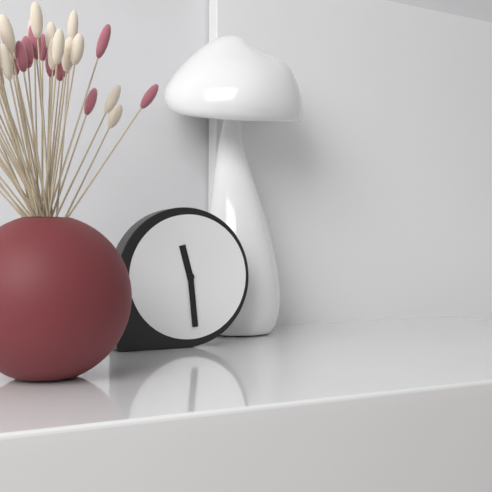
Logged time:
11h29
